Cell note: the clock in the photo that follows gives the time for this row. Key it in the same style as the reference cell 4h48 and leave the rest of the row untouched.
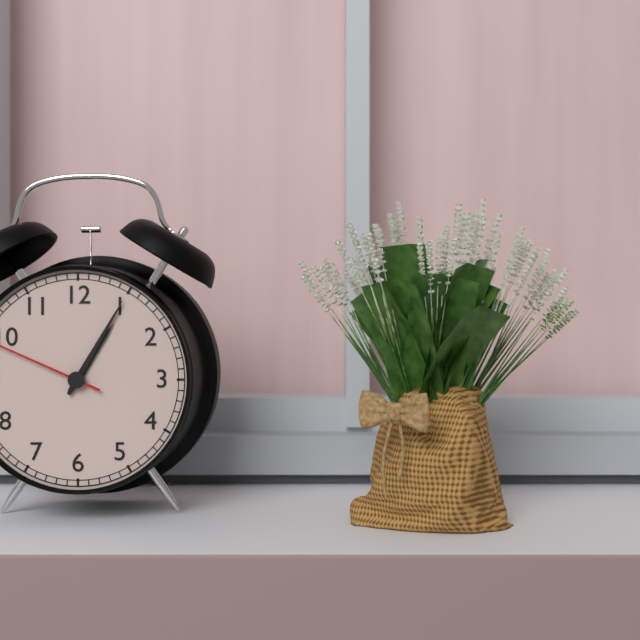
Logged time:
1h05
